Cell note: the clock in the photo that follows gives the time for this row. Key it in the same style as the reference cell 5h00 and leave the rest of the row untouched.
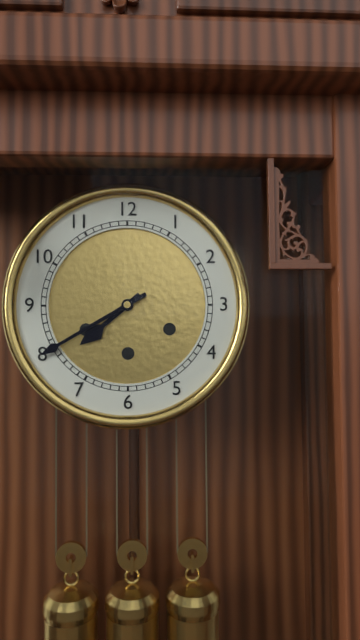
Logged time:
7h40
